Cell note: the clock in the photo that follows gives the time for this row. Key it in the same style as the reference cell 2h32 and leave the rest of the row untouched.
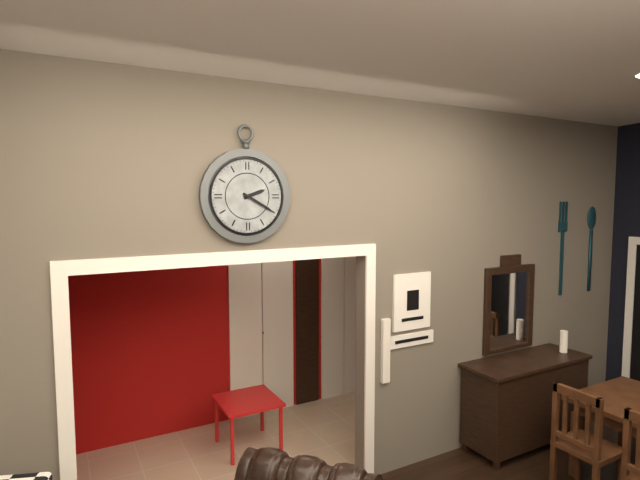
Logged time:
2h20
